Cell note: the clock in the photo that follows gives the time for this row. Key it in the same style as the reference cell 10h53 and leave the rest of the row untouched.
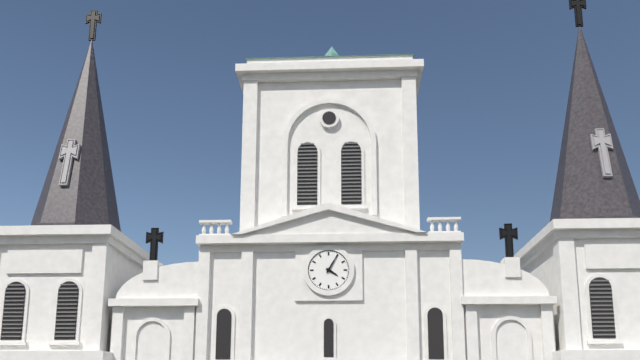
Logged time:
4h05
